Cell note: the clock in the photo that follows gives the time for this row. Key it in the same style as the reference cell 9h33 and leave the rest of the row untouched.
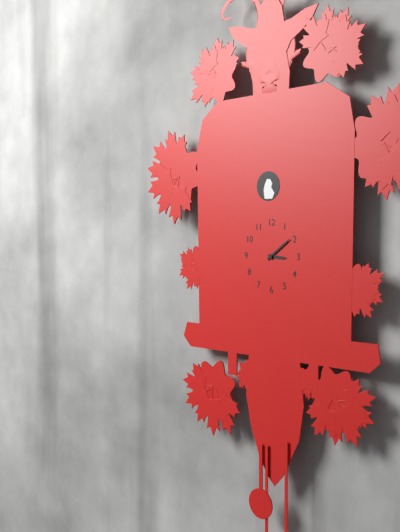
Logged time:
3h09
